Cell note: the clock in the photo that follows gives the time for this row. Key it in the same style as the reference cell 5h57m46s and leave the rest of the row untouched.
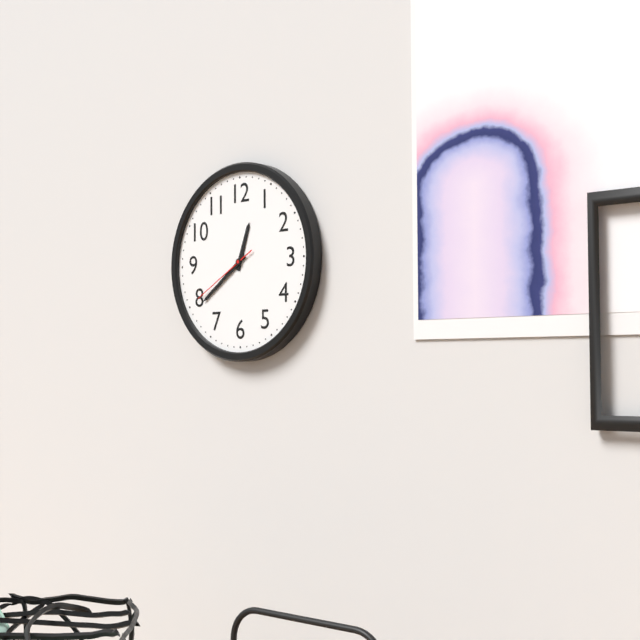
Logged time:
12h39m40s
